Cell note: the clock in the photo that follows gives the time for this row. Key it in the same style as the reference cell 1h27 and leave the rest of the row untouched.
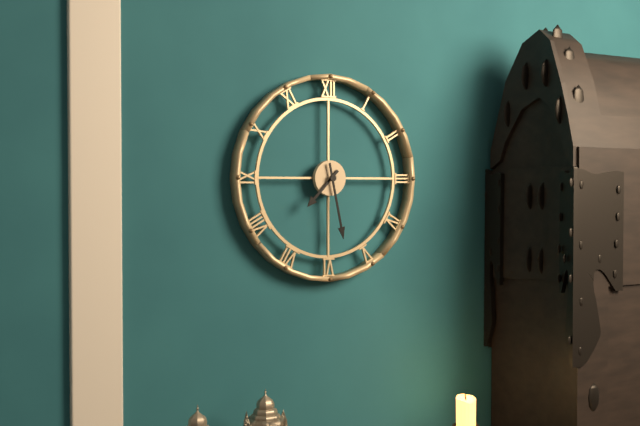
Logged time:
7h28
